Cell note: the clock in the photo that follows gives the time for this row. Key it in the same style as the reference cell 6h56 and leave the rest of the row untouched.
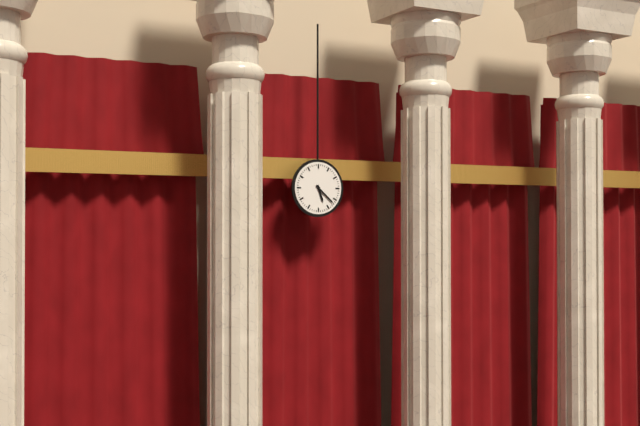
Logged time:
5h22
